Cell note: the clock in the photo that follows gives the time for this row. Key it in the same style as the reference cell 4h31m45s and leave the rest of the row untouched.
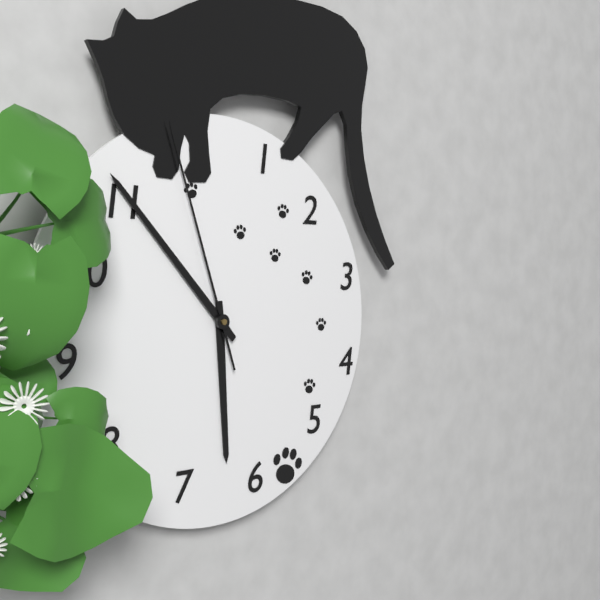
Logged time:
5h53m57s
